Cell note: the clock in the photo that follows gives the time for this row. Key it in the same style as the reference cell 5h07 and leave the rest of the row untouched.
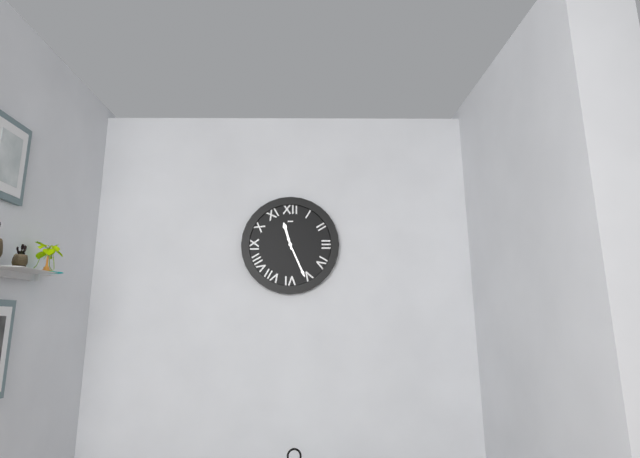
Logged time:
11h26
